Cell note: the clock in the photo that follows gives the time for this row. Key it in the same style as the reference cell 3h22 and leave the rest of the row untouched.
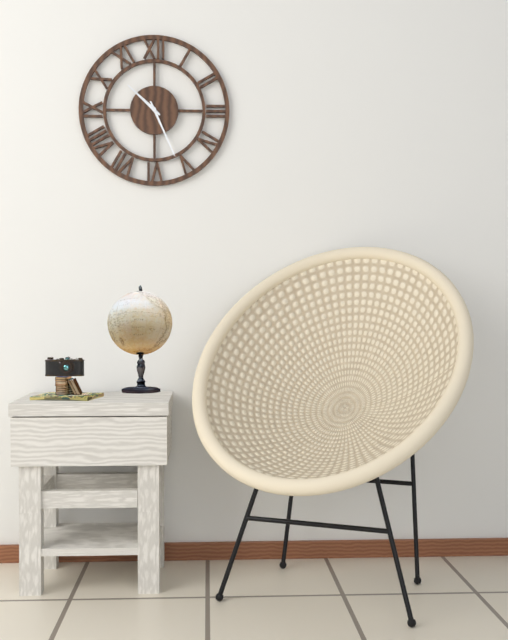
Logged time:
10h26
